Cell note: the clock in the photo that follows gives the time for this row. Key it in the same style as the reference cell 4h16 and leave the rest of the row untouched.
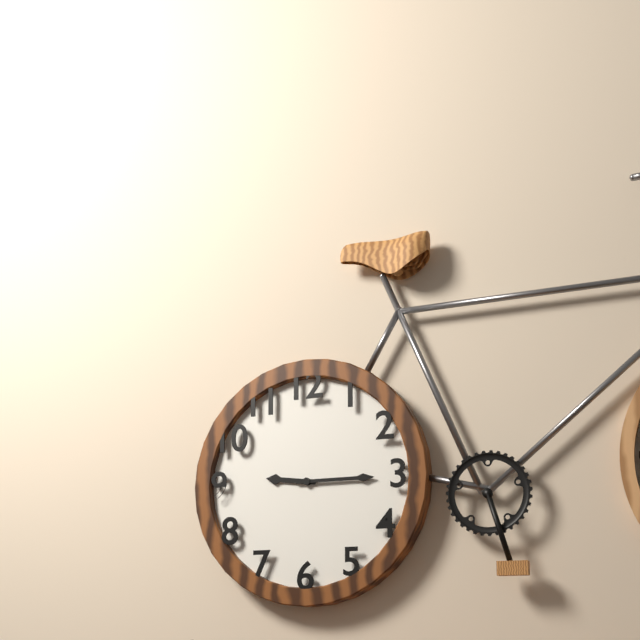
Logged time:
9h15
